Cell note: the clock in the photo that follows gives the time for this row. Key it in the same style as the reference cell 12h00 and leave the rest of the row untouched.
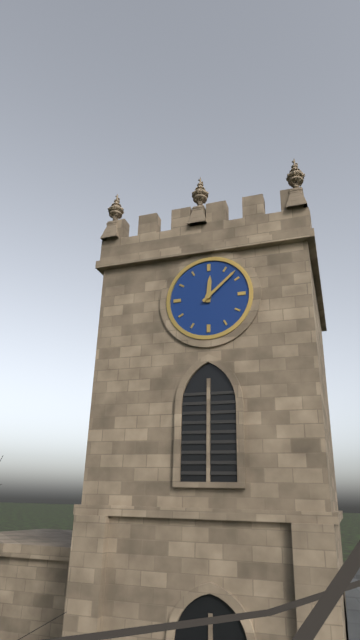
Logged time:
12h08
